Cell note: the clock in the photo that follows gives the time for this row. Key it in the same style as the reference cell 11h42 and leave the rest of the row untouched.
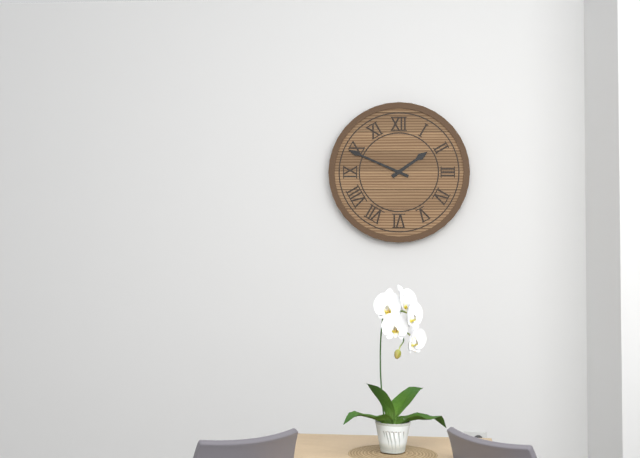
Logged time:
1h49
